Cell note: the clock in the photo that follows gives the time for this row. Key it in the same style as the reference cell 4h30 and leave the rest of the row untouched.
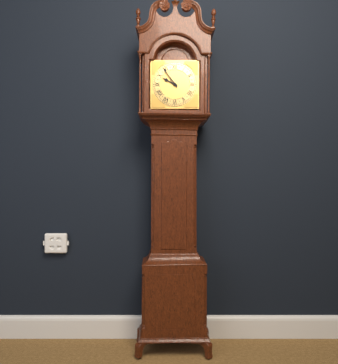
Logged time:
9h54
